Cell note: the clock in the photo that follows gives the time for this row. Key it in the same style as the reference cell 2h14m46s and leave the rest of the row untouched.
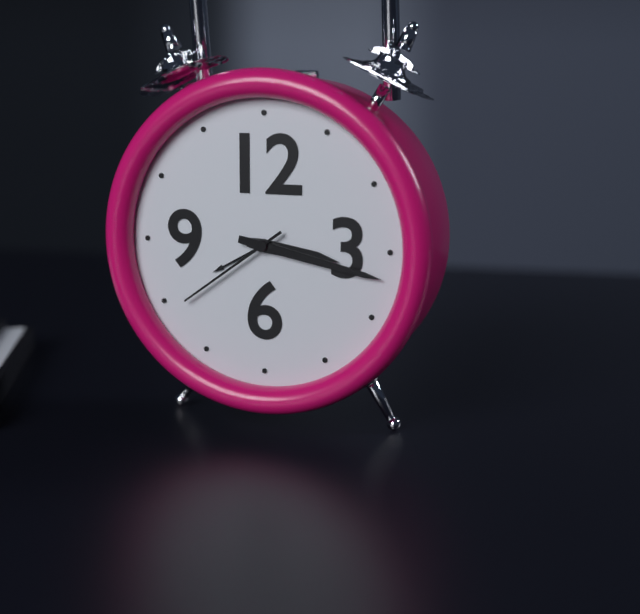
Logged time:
3h17m39s
